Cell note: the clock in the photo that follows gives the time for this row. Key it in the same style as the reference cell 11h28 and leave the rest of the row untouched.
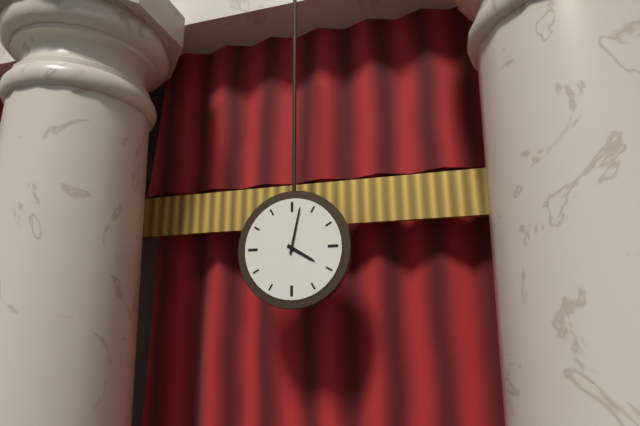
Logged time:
4h02
